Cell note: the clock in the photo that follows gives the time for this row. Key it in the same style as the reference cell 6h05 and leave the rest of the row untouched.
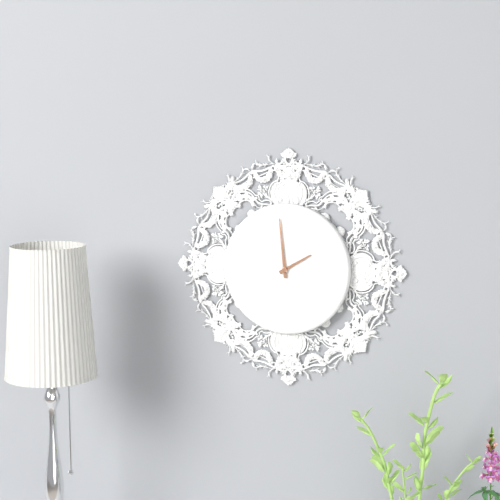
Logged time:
1h59
